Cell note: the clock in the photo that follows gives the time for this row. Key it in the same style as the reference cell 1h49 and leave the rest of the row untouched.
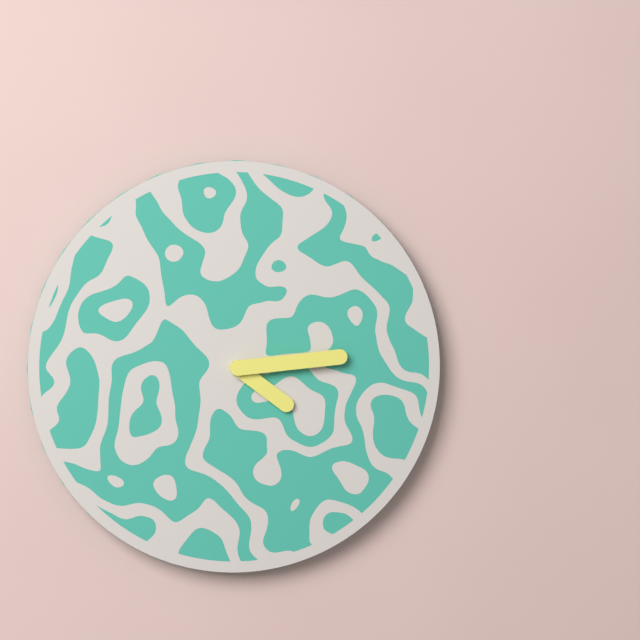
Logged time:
4h14
